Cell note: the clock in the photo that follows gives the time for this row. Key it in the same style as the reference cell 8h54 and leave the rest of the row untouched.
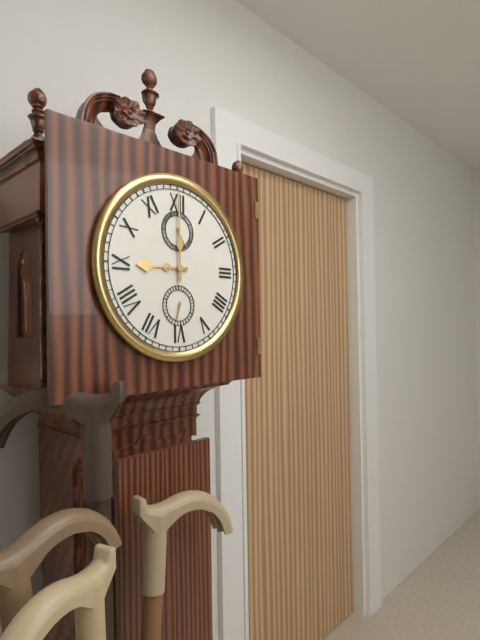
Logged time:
9h00
